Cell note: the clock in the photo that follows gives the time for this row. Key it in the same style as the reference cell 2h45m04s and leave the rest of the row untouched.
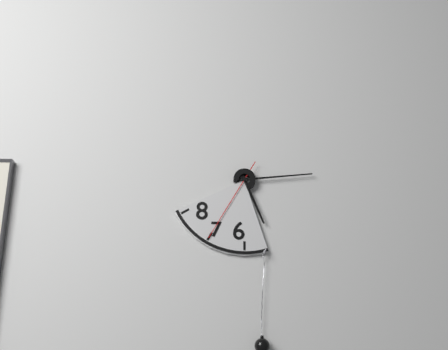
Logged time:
5h14m35s
